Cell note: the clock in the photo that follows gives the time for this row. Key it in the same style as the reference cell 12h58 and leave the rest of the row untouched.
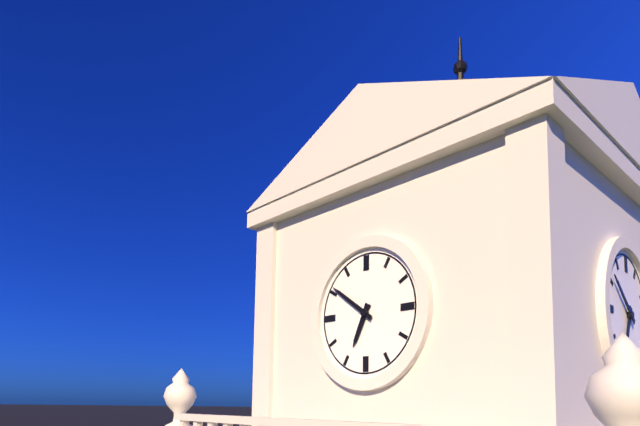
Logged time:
6h51
